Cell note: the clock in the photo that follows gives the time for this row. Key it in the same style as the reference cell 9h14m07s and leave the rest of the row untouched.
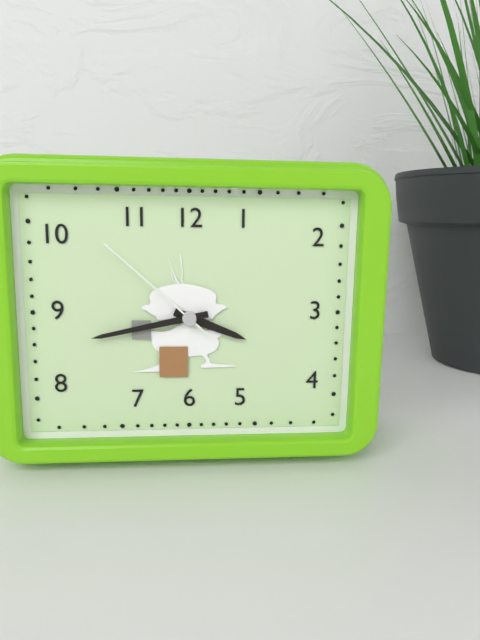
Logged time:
3h43m52s
